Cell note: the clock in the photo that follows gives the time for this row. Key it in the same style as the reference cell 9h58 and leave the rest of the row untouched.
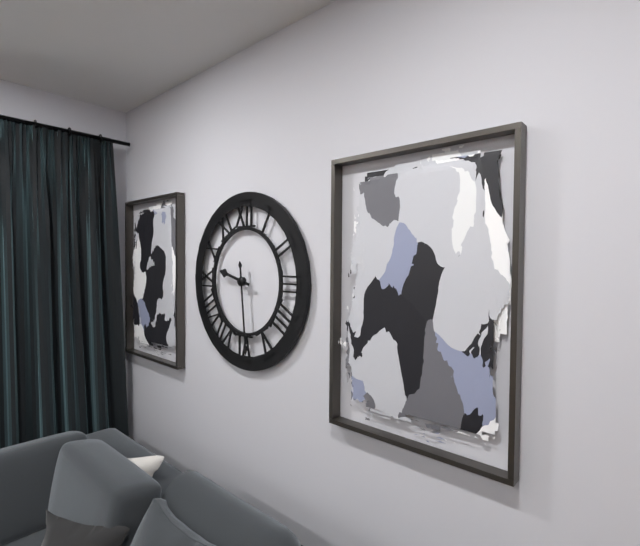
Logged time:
9h29
